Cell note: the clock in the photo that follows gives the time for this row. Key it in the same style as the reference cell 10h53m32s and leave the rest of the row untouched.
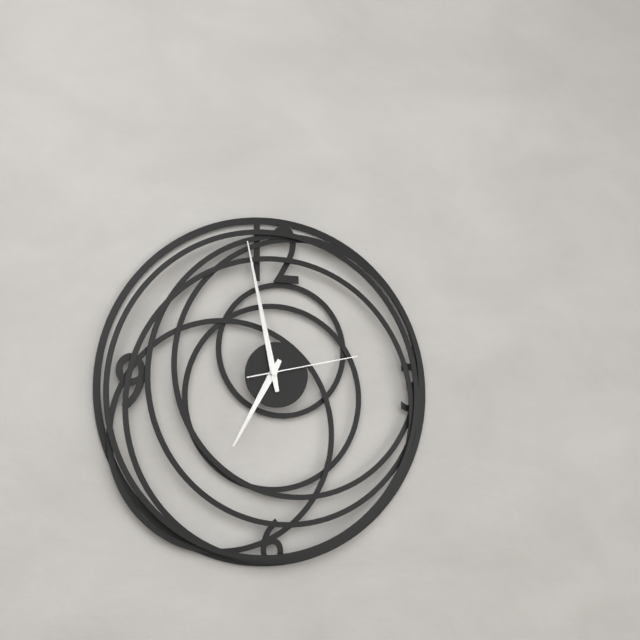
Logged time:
6h58m13s
